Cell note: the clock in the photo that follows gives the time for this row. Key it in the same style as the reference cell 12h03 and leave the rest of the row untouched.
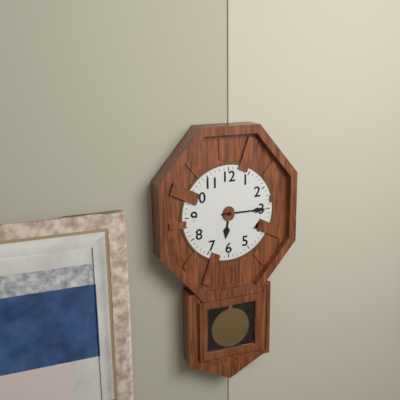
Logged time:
6h15
